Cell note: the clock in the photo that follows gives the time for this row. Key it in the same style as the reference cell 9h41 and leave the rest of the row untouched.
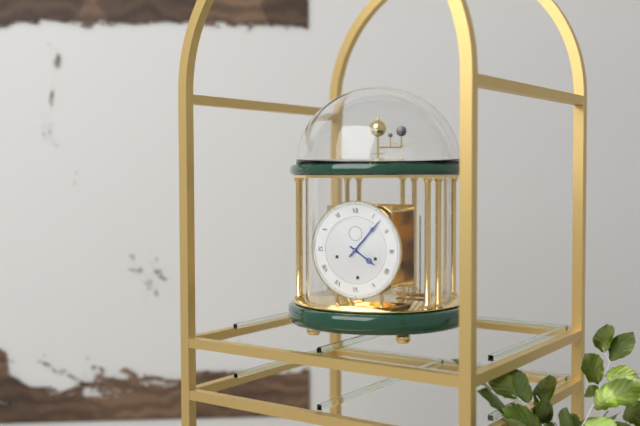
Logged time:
4h07
